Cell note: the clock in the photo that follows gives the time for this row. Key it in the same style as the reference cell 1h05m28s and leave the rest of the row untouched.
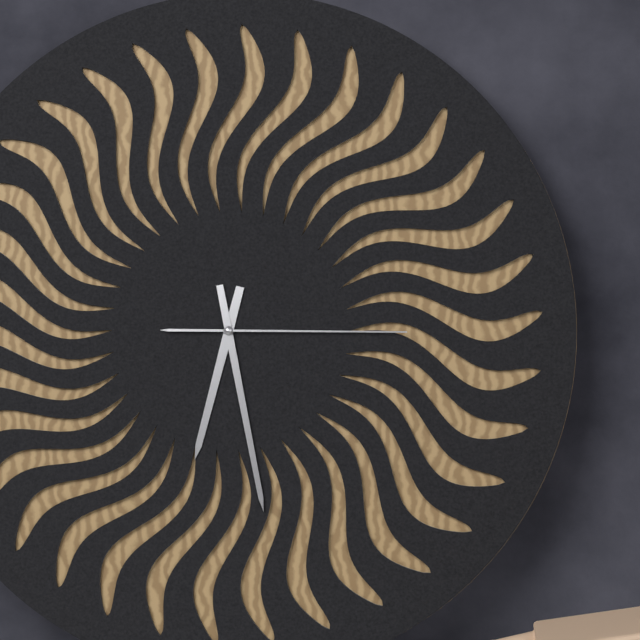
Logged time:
6h28m15s
